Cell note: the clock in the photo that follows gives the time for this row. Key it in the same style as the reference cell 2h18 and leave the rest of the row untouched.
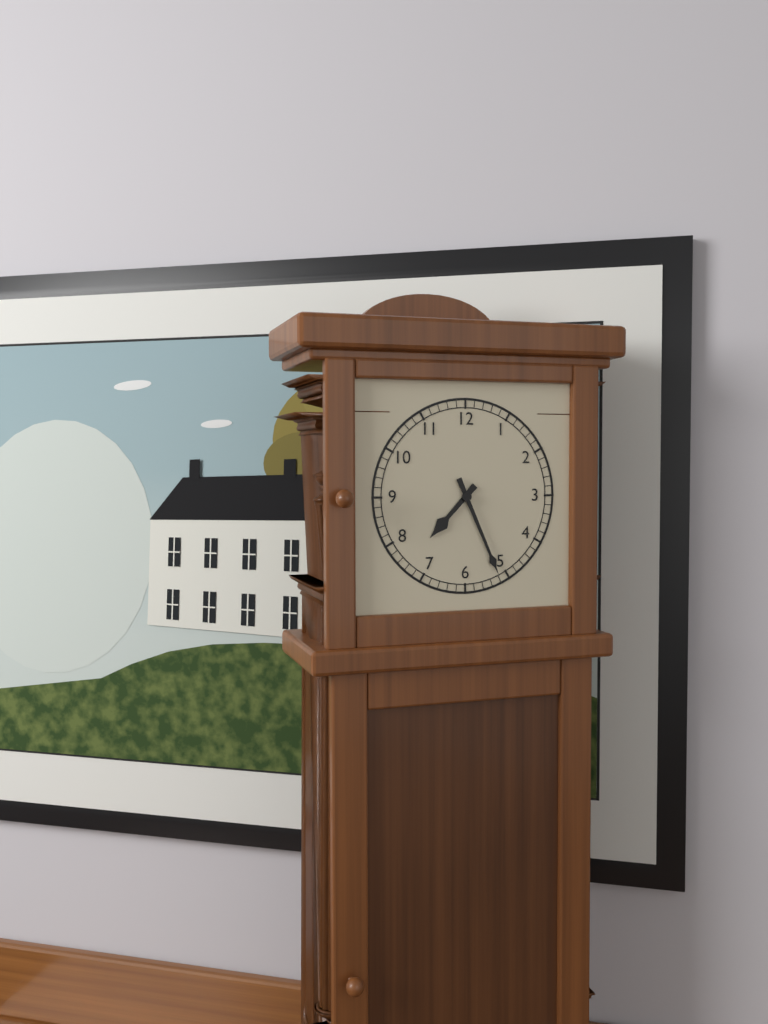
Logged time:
7h26
